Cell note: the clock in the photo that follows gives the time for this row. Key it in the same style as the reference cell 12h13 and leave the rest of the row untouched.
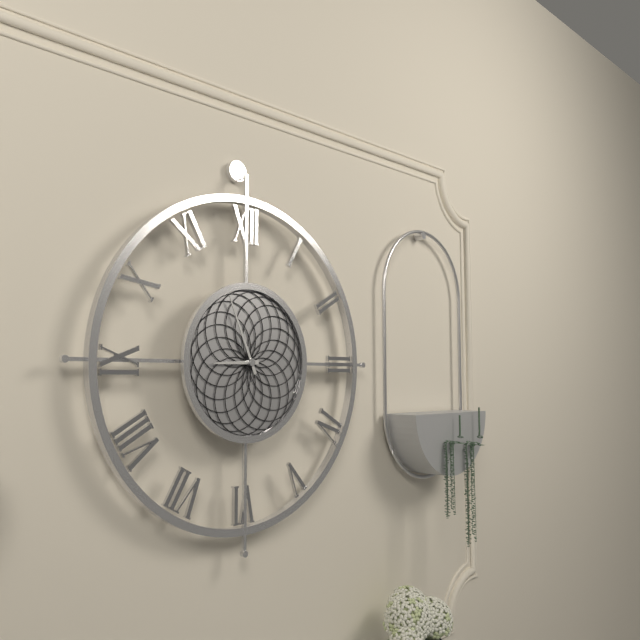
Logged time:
8h56
